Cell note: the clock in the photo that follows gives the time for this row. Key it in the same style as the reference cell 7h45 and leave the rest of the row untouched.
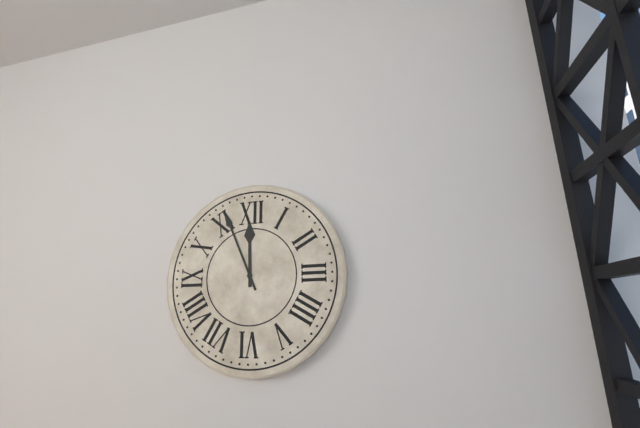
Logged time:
11h56
